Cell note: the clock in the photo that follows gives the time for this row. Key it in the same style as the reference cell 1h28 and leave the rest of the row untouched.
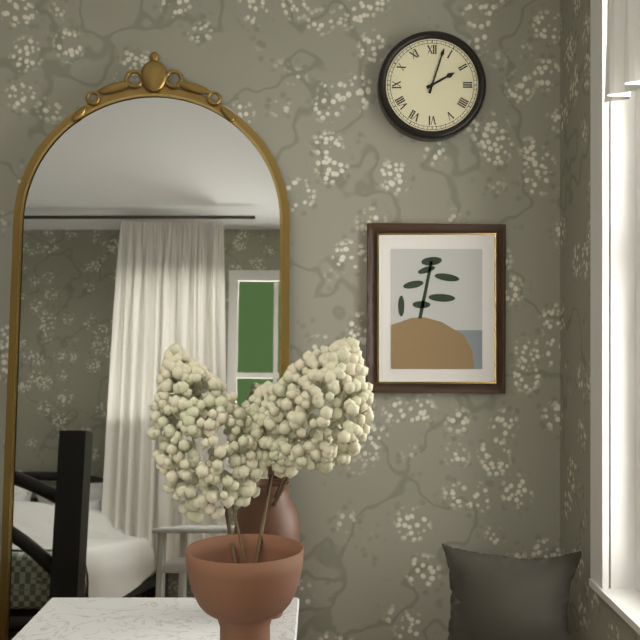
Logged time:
2h03
